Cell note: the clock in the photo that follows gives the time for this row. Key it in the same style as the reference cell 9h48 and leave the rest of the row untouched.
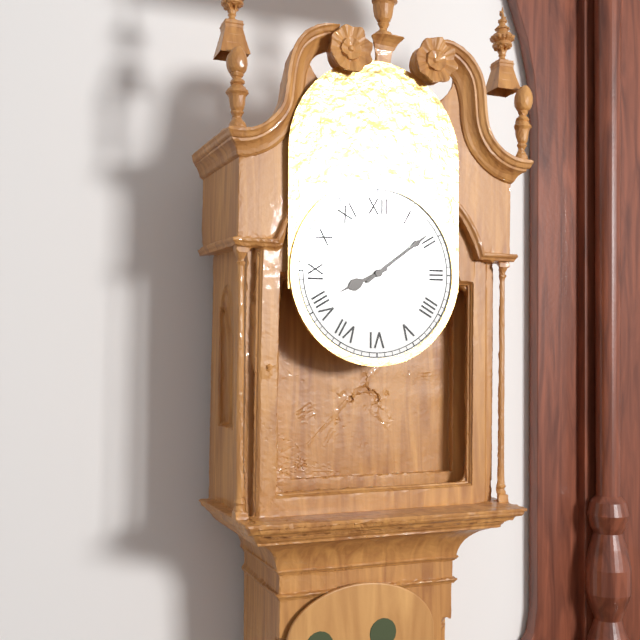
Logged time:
8h09
